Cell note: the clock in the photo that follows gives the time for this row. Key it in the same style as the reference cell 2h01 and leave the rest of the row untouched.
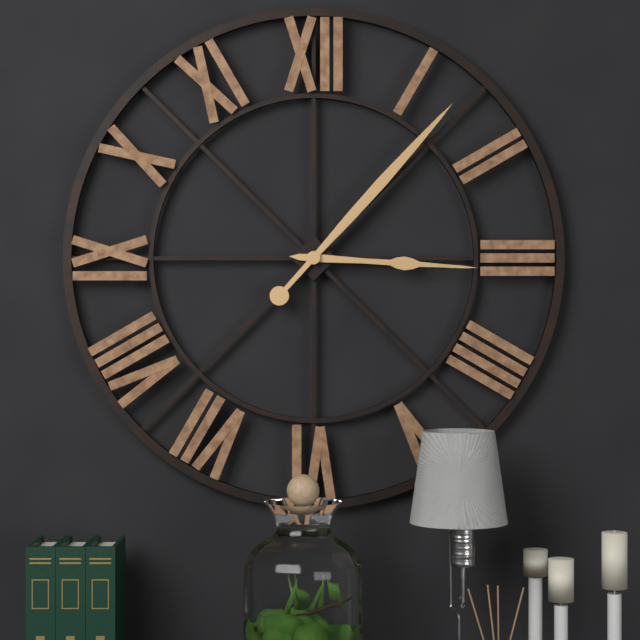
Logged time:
3h07
